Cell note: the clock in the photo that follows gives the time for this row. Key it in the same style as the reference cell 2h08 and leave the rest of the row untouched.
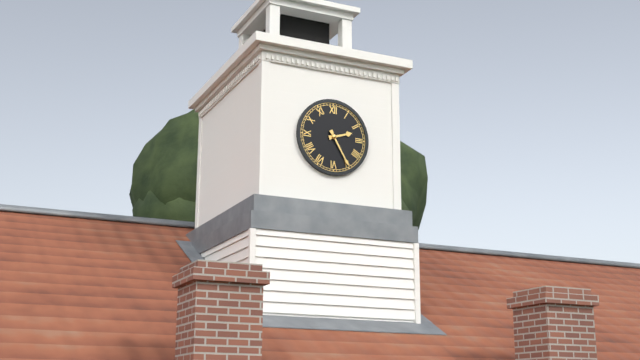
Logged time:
2h25
